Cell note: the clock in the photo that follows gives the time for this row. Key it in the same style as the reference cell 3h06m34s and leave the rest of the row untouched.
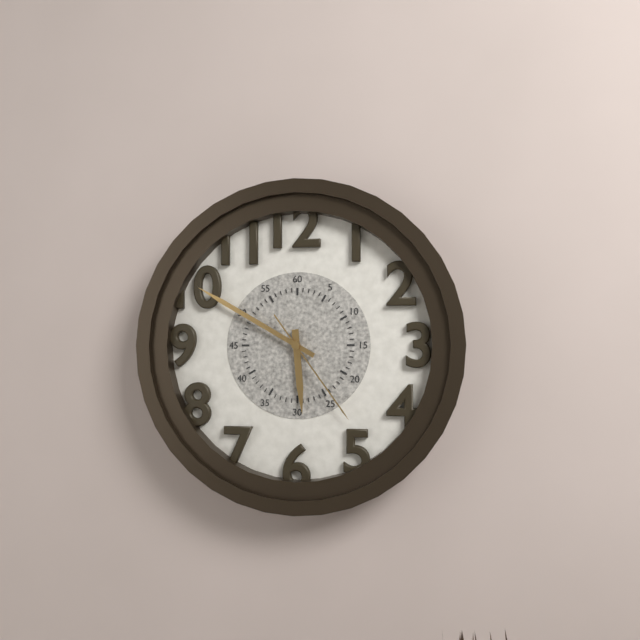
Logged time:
5h50m24s
